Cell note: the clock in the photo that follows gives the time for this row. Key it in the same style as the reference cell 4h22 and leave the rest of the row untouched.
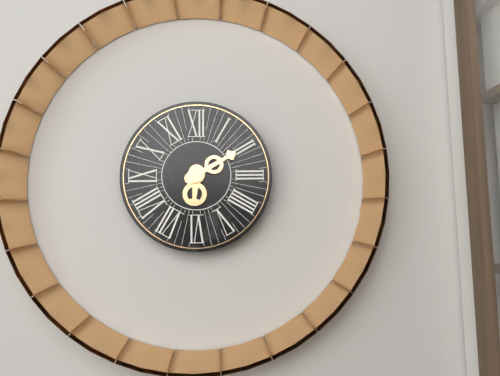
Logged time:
6h10
